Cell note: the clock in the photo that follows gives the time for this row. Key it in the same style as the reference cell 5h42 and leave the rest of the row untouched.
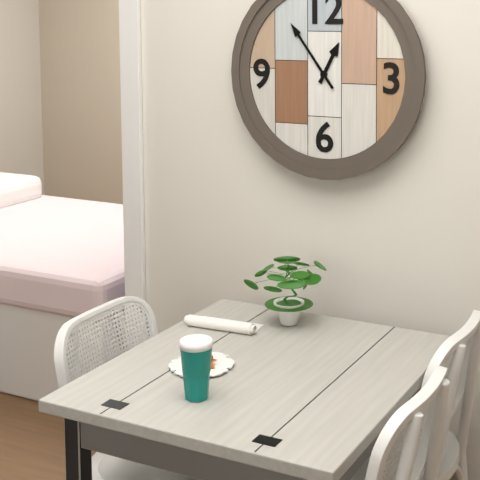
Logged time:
12h54
